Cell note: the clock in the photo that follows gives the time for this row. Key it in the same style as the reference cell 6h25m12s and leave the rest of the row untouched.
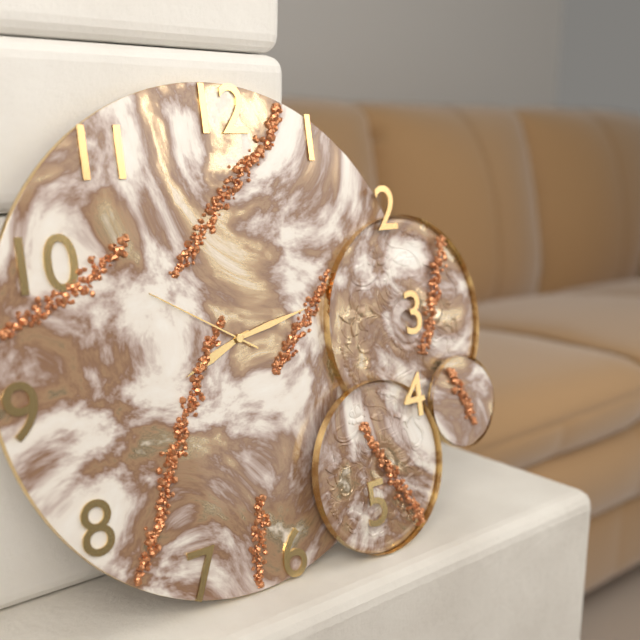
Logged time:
8h13m50s
